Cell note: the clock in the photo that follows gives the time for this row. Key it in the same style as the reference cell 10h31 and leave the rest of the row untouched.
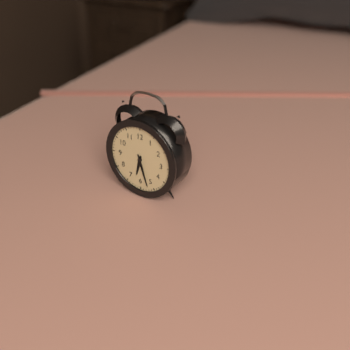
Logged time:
6h27
